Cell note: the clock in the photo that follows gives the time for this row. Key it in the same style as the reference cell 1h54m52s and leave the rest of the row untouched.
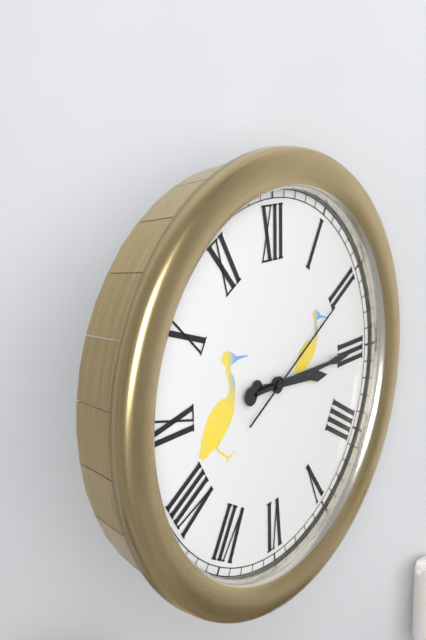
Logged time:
3h15m10s
